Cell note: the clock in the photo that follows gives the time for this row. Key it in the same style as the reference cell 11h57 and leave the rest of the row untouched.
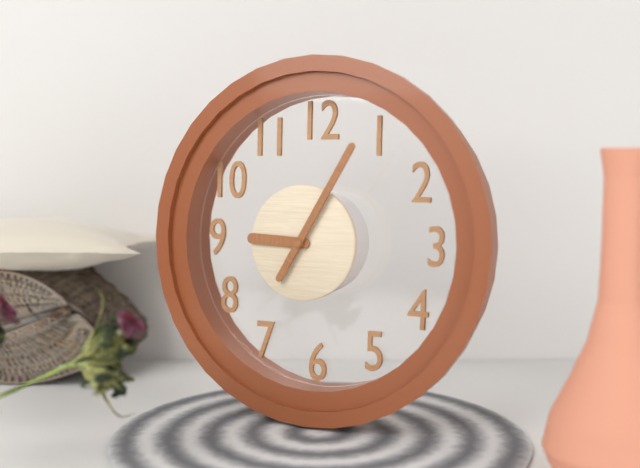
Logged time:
9h05
